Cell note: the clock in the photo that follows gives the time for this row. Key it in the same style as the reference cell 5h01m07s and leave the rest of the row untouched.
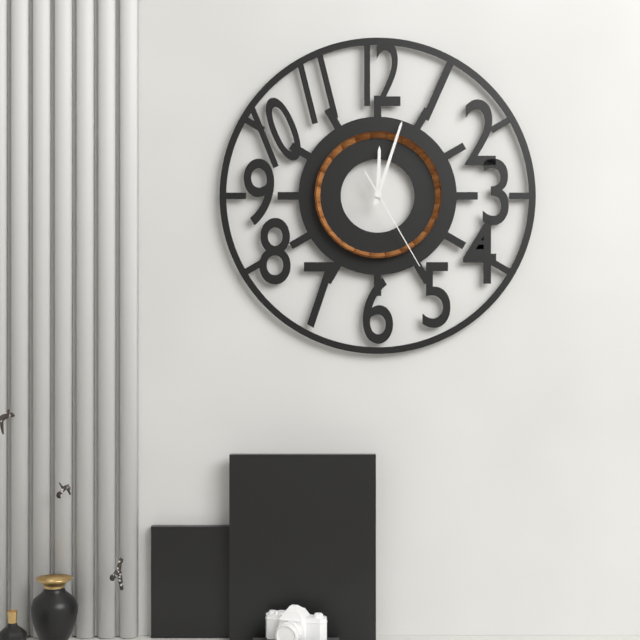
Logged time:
12h03m25s
